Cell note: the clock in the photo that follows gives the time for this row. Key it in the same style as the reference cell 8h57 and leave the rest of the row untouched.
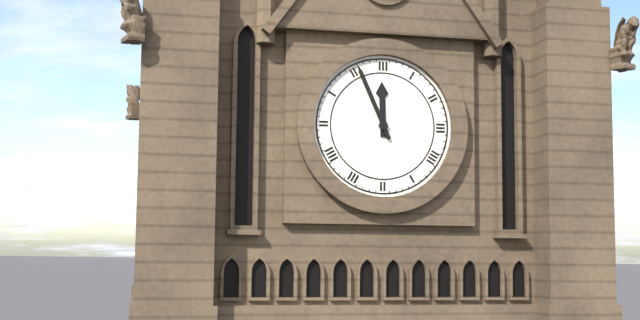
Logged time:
11h56
